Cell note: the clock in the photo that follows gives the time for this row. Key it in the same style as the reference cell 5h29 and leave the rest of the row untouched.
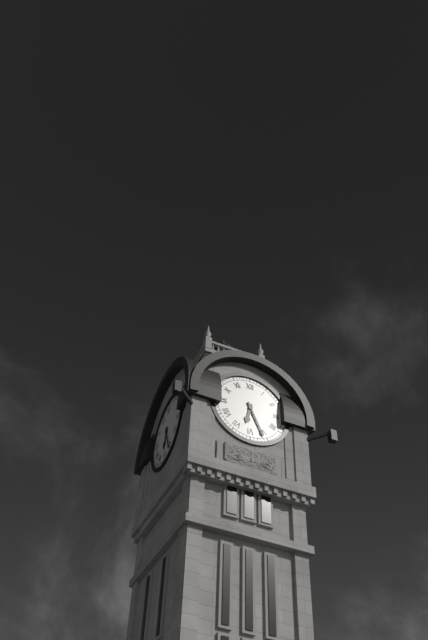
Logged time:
6h26
